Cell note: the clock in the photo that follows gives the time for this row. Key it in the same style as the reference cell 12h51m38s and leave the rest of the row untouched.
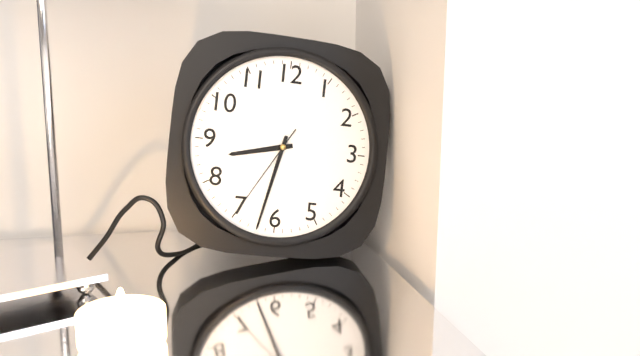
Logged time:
8h32m35s
